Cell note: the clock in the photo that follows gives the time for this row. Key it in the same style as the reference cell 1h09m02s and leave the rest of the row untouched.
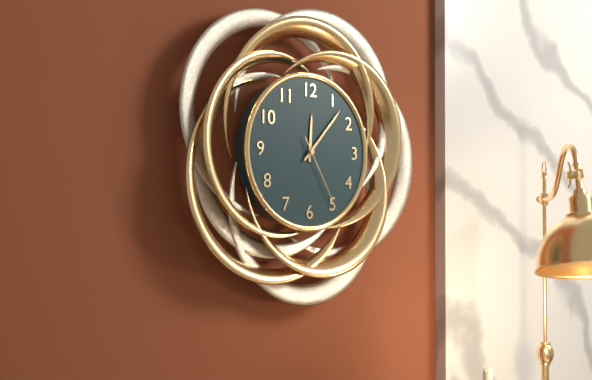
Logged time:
12h07m25s
